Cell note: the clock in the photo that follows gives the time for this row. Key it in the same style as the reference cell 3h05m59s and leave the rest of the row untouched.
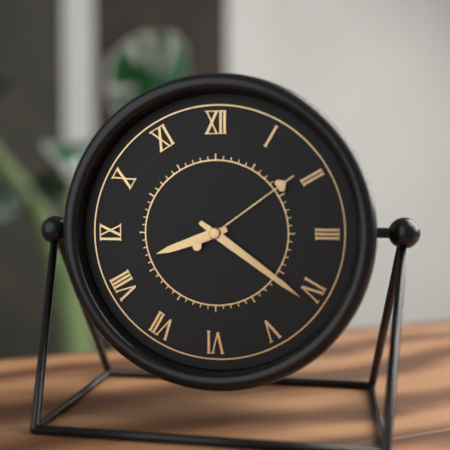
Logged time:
8h21m09s
